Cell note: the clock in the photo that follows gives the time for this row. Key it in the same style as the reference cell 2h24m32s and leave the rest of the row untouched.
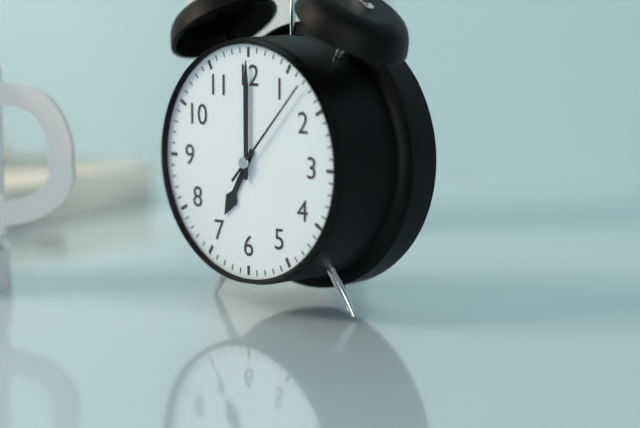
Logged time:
7h00m07s
